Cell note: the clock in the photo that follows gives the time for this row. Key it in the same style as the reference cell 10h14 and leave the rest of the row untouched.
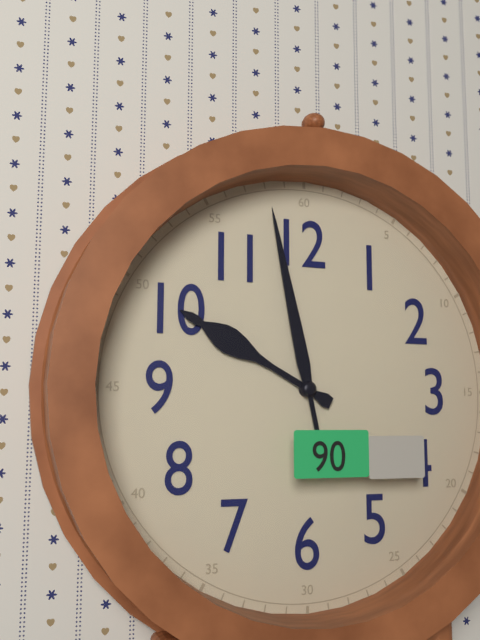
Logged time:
9h58
